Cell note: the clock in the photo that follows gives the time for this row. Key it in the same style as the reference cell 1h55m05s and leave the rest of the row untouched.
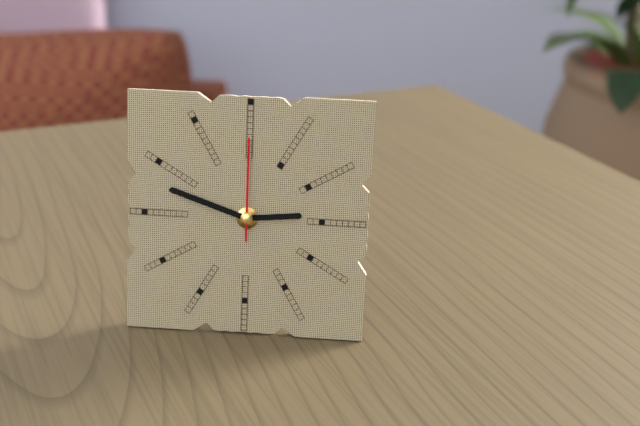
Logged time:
2h48m00s
